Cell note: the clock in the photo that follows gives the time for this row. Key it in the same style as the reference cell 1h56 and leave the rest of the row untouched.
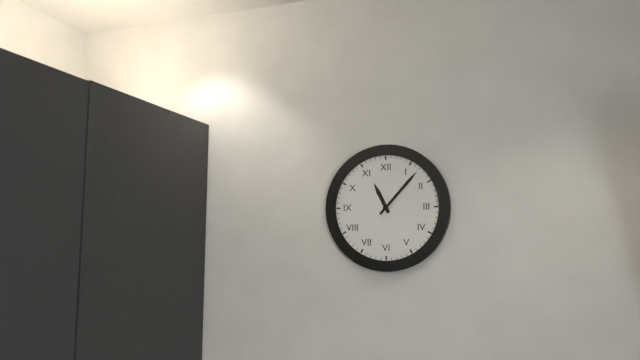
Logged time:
11h07
